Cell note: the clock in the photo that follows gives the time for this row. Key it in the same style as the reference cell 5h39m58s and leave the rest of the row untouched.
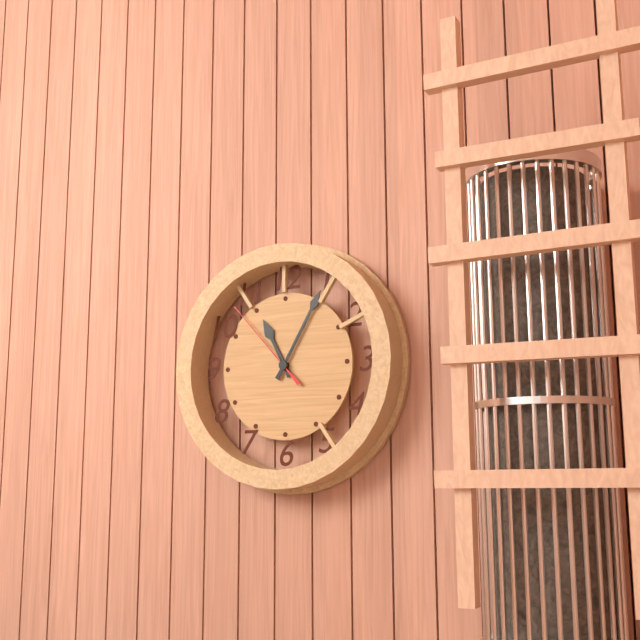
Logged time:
11h05m53s
